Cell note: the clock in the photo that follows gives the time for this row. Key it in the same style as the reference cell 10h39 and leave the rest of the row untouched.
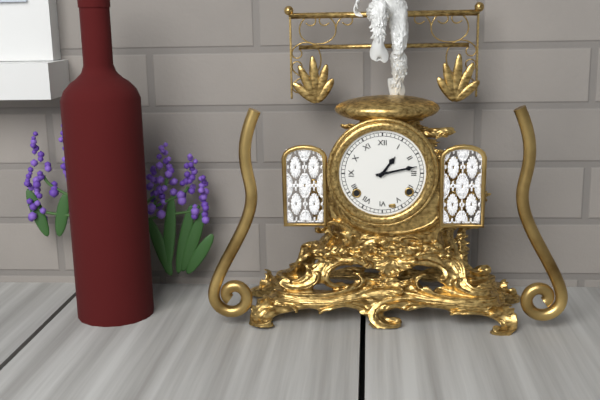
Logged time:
1h13
